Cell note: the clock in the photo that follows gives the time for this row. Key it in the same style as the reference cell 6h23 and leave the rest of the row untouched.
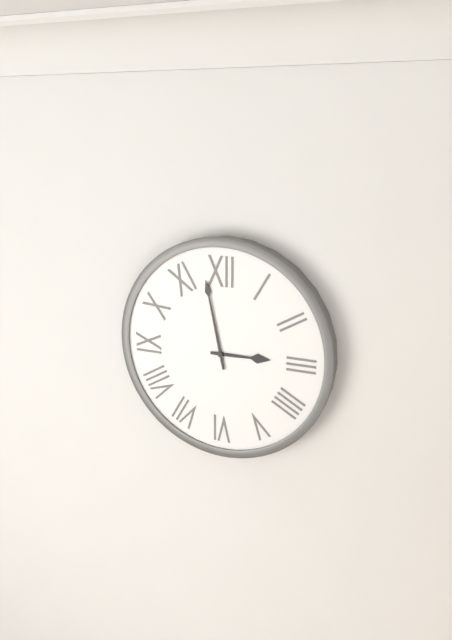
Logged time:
2h58
